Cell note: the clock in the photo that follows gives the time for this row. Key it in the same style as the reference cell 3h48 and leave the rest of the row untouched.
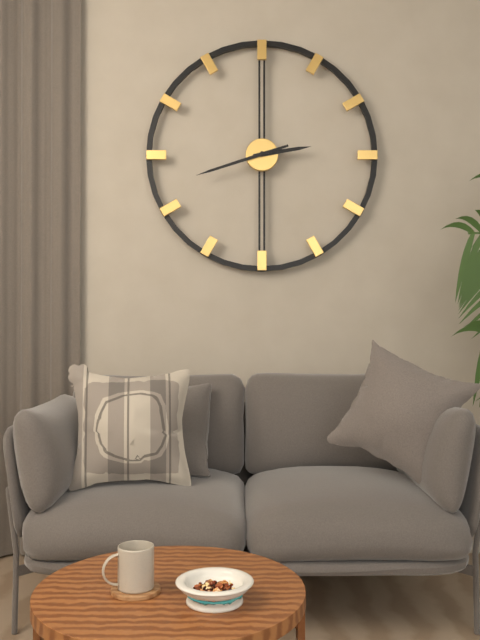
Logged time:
2h42
